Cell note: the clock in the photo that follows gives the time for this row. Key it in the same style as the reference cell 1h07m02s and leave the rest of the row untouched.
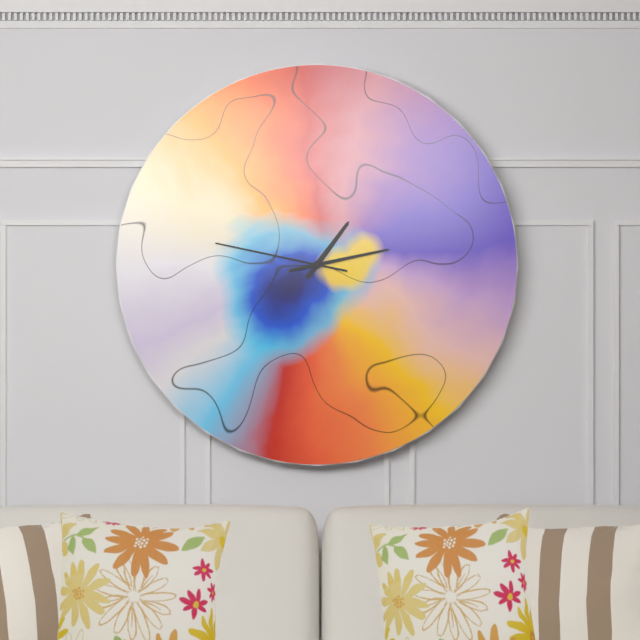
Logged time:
1h13m47s
